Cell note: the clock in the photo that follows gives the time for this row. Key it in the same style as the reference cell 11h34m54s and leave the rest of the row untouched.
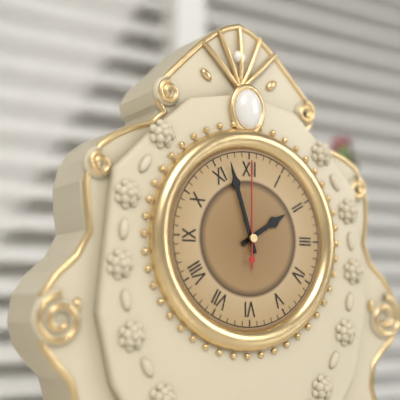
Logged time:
1h57m00s
